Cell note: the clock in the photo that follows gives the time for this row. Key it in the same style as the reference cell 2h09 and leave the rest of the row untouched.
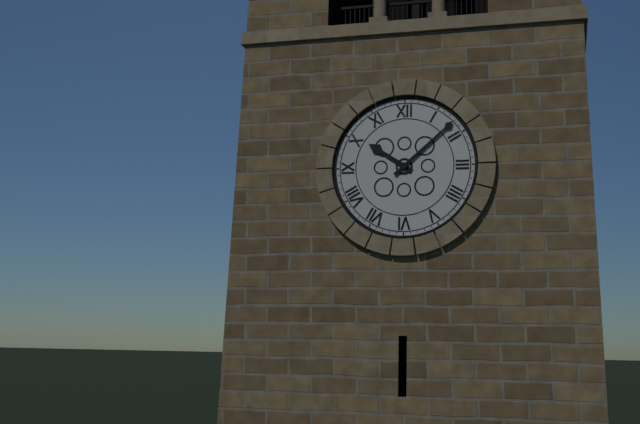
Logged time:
10h08
